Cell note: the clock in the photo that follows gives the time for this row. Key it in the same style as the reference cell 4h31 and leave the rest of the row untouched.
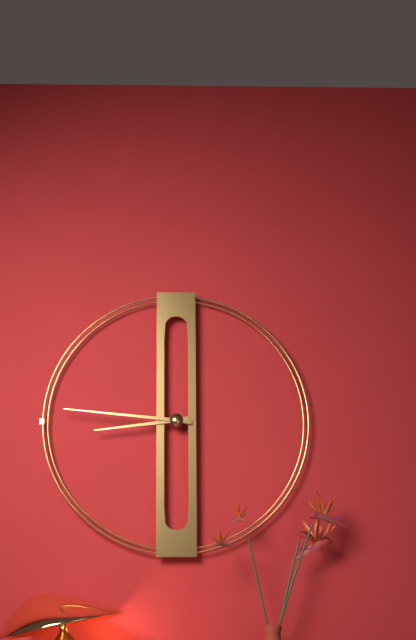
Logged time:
8h46
